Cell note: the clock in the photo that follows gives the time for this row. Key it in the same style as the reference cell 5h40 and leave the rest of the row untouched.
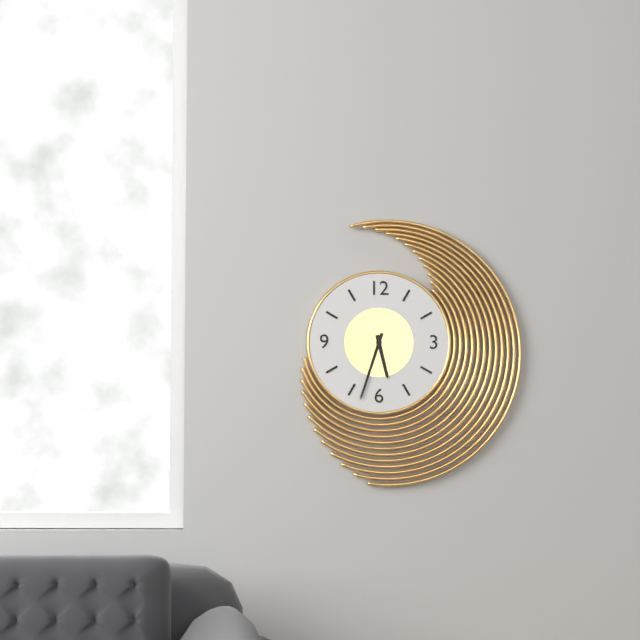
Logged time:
5h33
